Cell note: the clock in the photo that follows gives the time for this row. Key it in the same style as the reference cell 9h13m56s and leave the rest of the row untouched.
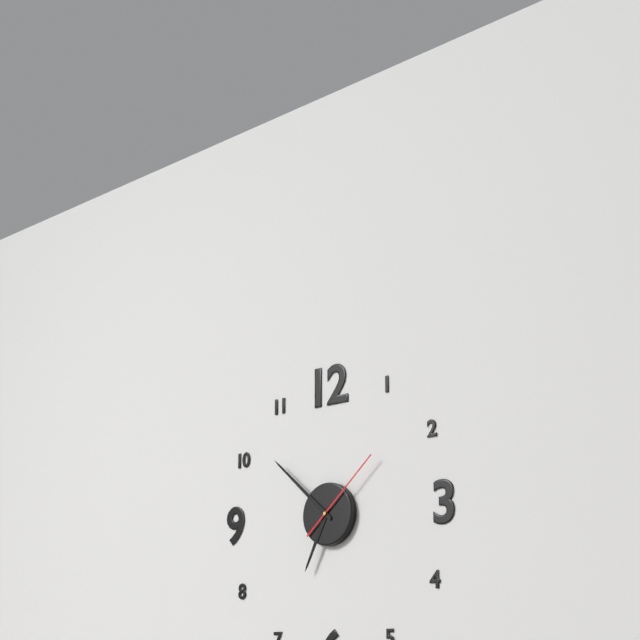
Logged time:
6h52m08s
